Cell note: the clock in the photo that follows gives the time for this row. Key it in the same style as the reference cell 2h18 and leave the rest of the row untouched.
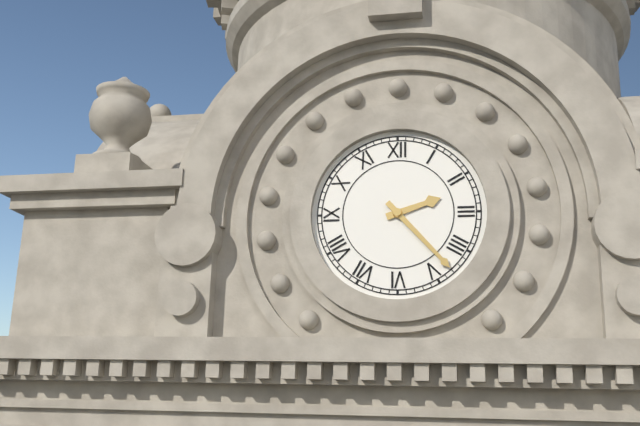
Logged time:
2h23
